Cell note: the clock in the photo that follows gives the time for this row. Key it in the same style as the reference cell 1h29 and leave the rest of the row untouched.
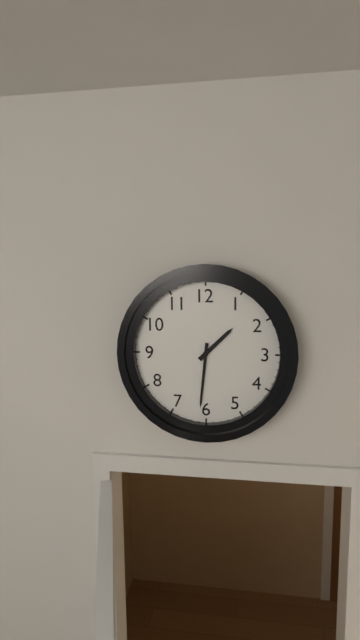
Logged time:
1h31
